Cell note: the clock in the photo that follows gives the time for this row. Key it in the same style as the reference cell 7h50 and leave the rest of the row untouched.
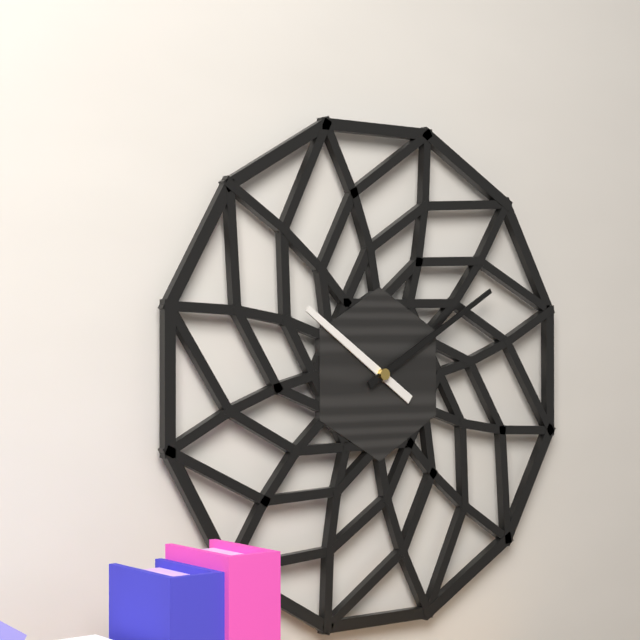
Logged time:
10h10
